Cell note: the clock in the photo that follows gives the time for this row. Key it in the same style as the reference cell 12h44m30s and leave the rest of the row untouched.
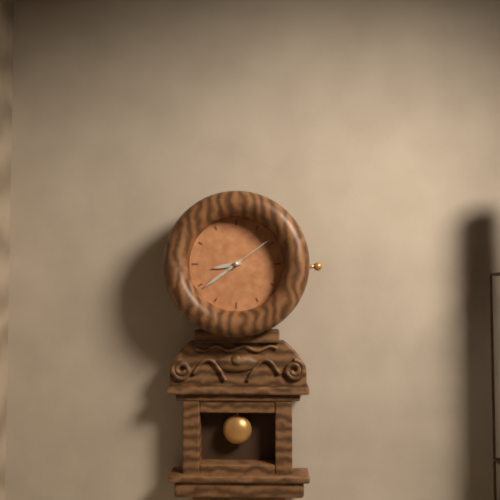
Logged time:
8h39m09s
